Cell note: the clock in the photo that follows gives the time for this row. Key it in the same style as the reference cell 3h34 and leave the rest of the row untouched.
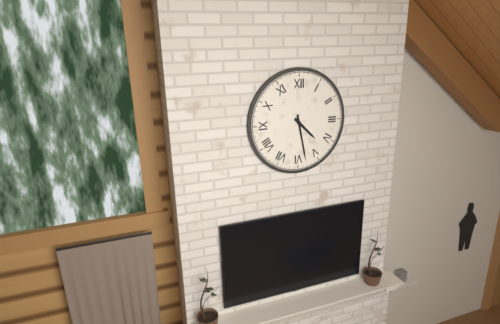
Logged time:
4h28
